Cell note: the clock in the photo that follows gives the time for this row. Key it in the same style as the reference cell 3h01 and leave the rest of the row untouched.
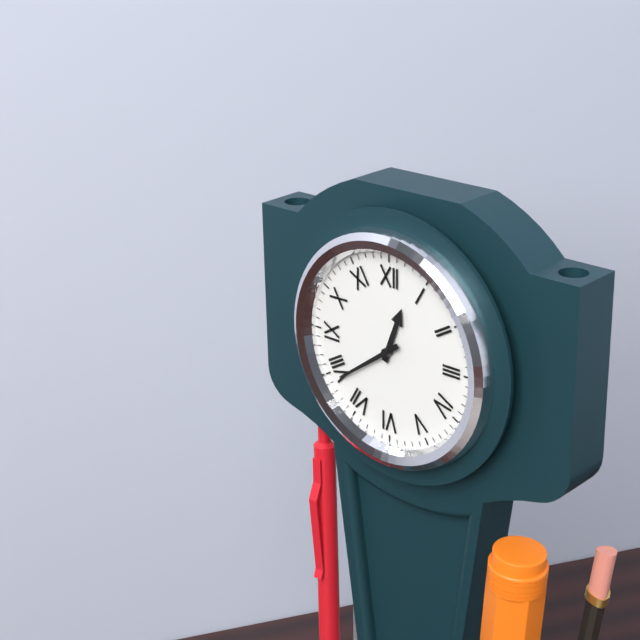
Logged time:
12h39
